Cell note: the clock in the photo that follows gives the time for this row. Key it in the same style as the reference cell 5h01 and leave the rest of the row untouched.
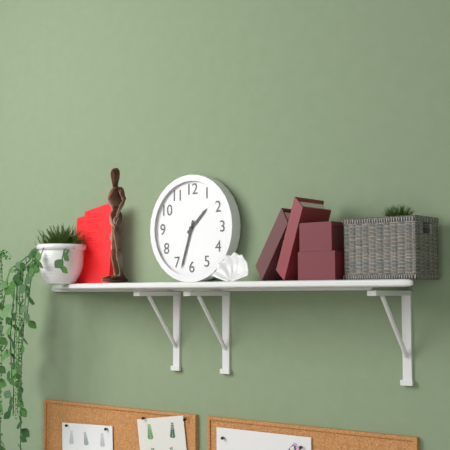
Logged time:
1h33
